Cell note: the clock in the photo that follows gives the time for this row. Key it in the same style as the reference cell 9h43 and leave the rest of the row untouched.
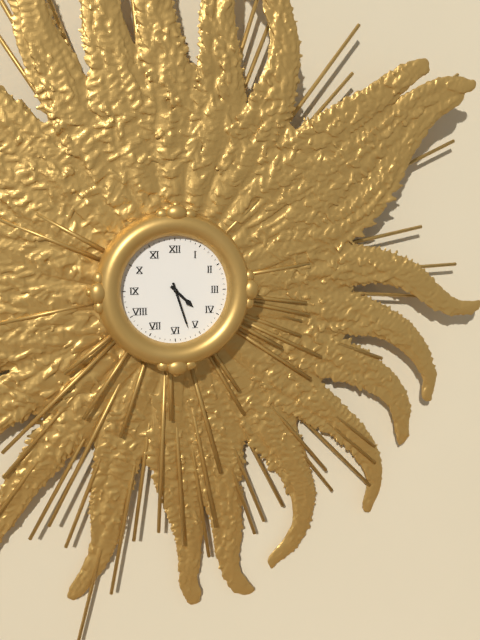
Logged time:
4h27
